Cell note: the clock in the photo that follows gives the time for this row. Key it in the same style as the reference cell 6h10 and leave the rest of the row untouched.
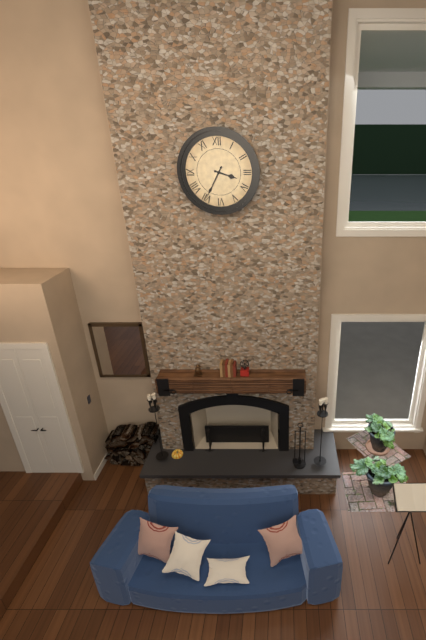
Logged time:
3h35
